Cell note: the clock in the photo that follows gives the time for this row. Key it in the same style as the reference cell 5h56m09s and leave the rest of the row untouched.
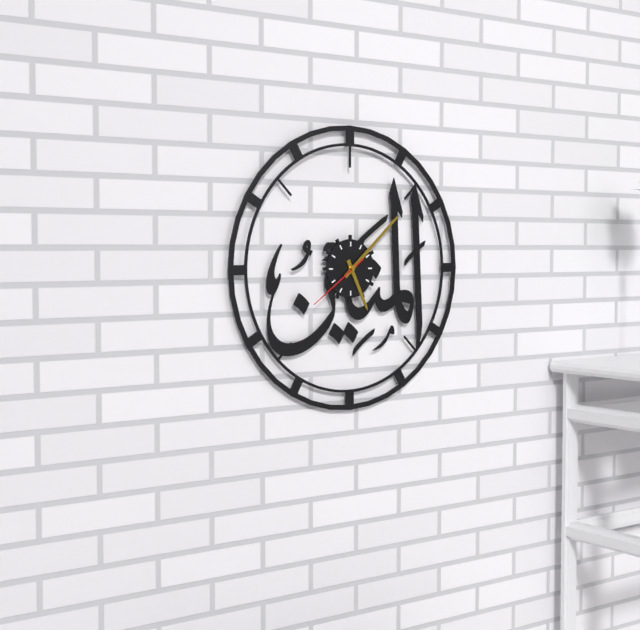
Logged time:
5h08m39s
